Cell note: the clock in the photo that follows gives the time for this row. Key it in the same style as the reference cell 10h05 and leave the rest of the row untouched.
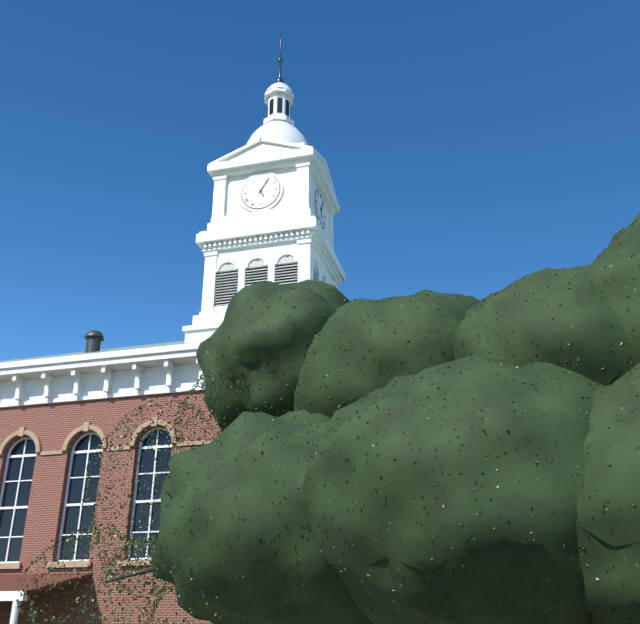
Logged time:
5h05
